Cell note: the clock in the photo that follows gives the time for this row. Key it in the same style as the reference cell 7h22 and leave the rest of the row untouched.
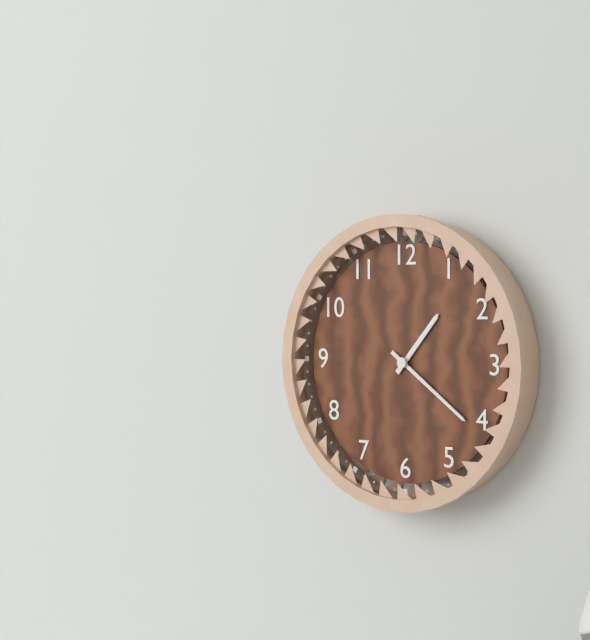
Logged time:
1h21
